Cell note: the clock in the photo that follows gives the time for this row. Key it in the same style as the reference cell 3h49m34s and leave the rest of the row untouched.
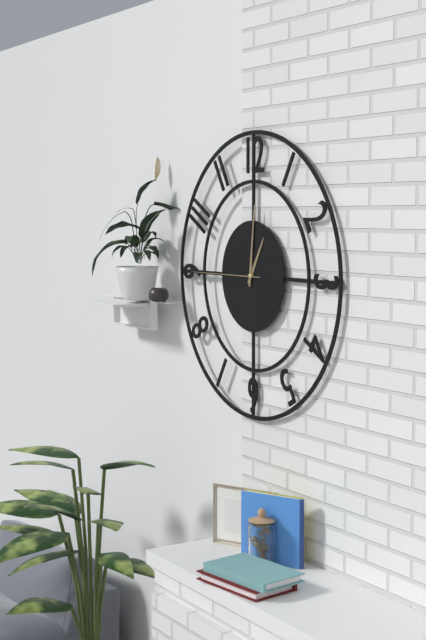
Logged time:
1h01m45s
